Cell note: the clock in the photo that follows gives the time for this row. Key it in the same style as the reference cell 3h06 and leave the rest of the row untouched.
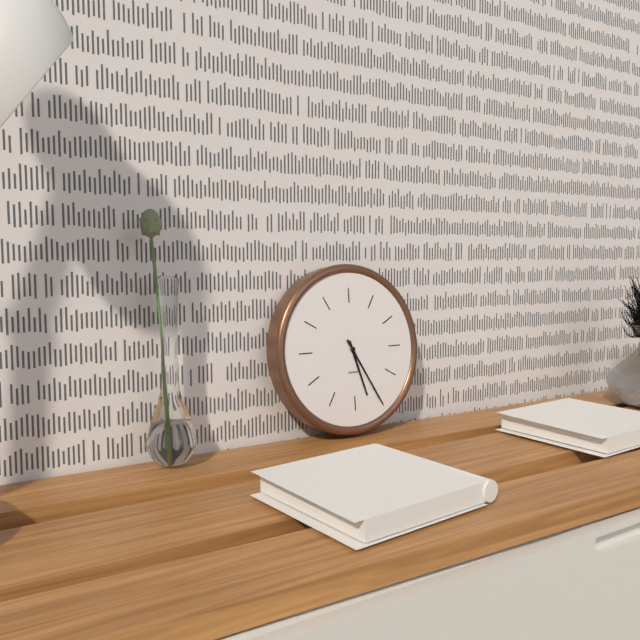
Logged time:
5h25
